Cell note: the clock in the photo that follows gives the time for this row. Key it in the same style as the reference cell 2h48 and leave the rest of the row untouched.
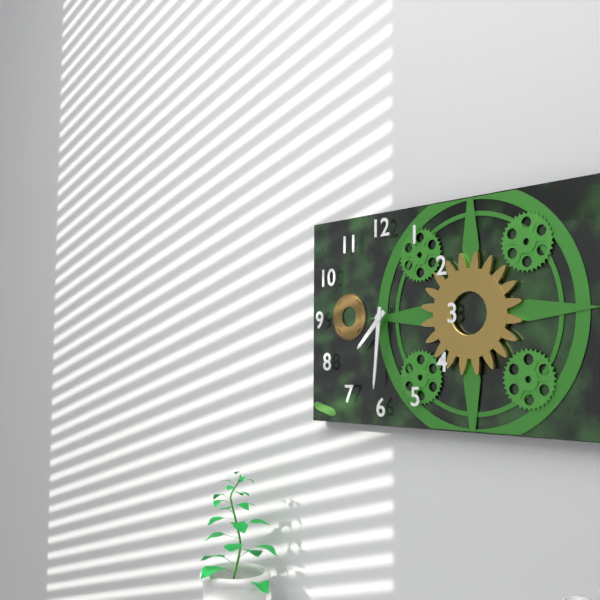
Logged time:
7h31
